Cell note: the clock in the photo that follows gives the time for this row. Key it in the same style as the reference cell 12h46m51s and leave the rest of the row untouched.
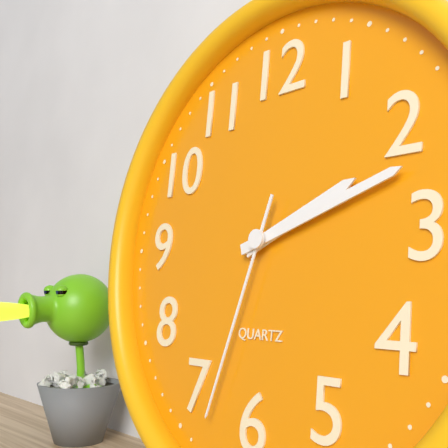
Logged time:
2h12m33s
